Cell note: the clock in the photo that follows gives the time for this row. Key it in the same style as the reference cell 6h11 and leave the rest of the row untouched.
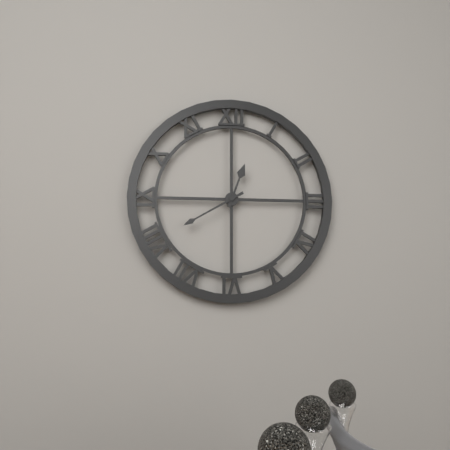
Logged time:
12h40
